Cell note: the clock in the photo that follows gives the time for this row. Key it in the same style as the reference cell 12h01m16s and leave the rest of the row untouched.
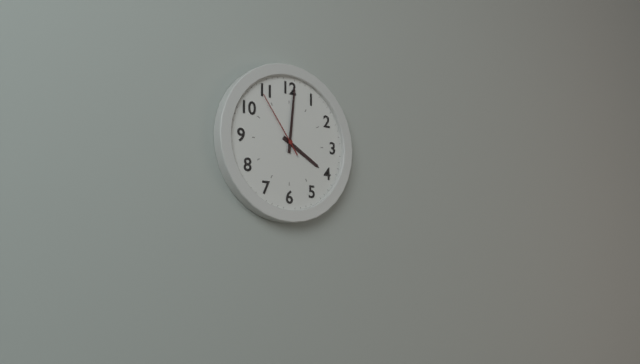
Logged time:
4h01m54s
